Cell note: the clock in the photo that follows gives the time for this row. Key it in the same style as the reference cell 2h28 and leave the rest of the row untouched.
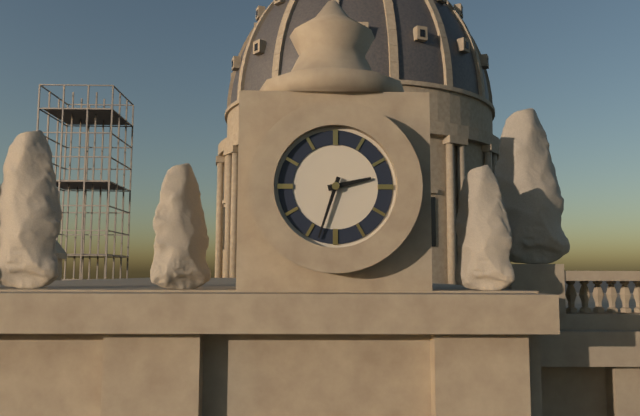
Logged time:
2h33
